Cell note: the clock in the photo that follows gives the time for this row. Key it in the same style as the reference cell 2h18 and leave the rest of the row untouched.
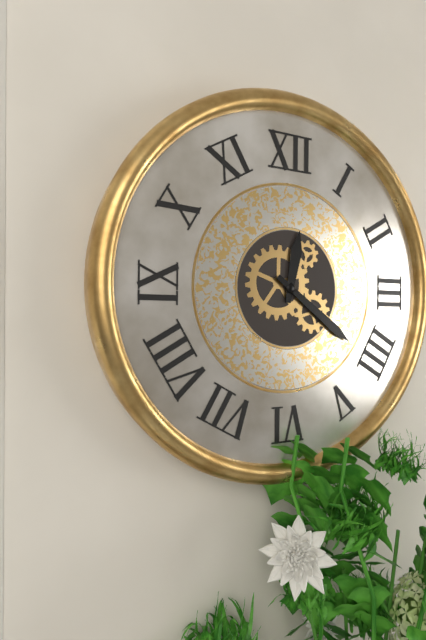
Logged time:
12h21
